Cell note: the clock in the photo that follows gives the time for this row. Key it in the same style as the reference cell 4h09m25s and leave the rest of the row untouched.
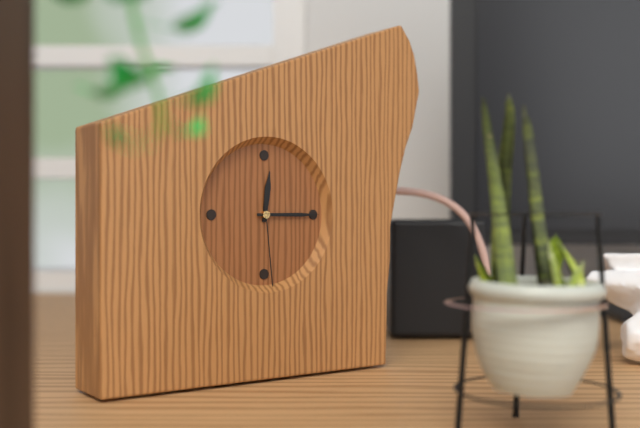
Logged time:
12h15m29s
